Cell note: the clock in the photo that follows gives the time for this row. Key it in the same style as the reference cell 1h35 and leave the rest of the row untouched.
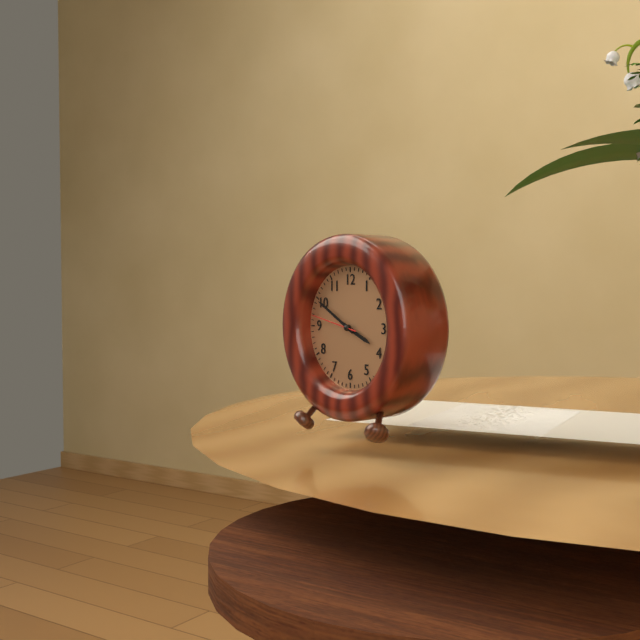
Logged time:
3h50
